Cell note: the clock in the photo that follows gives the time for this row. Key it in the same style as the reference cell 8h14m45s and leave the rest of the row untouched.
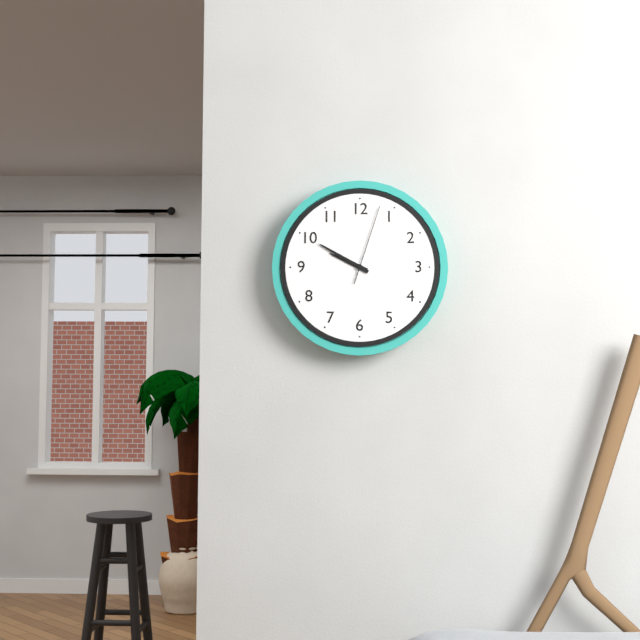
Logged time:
9h50m03s
